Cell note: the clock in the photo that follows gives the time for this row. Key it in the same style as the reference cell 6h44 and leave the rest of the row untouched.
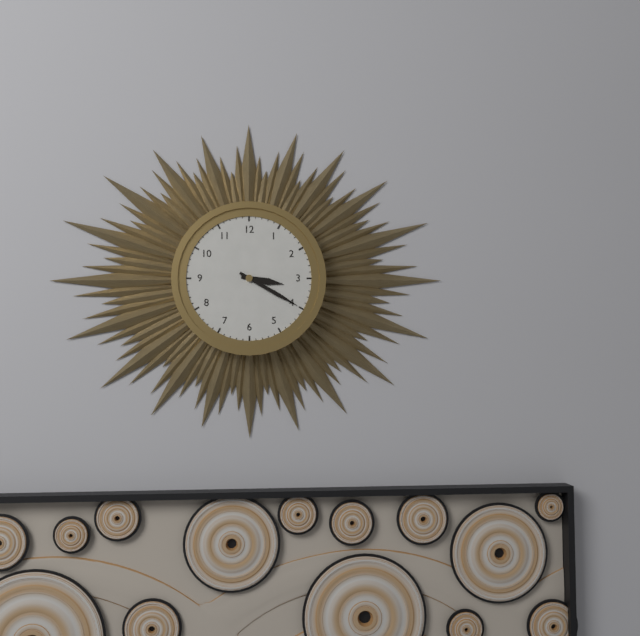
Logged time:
3h20
